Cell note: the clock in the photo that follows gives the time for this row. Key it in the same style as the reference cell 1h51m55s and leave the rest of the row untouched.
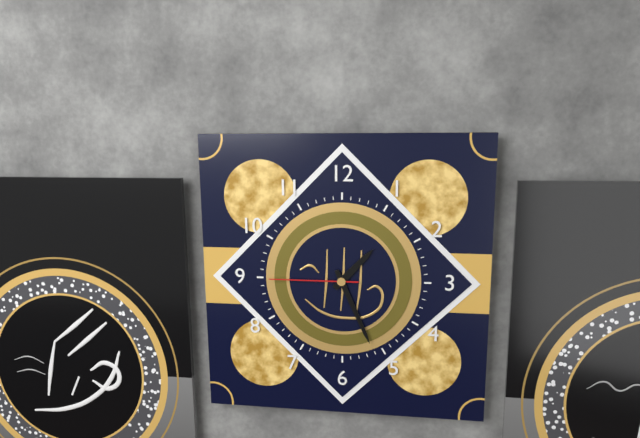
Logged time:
1h26m45s
